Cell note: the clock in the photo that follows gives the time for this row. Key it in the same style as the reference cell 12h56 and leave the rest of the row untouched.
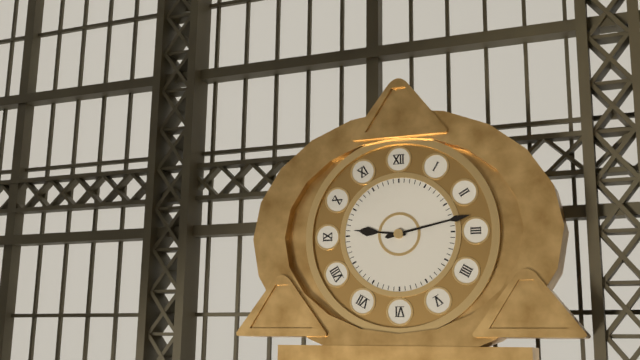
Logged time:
9h13
